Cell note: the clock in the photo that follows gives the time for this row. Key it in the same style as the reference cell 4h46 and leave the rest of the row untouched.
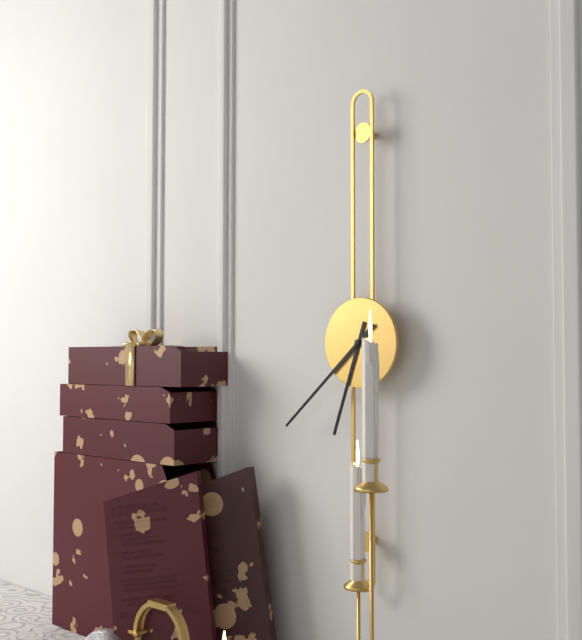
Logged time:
6h38
